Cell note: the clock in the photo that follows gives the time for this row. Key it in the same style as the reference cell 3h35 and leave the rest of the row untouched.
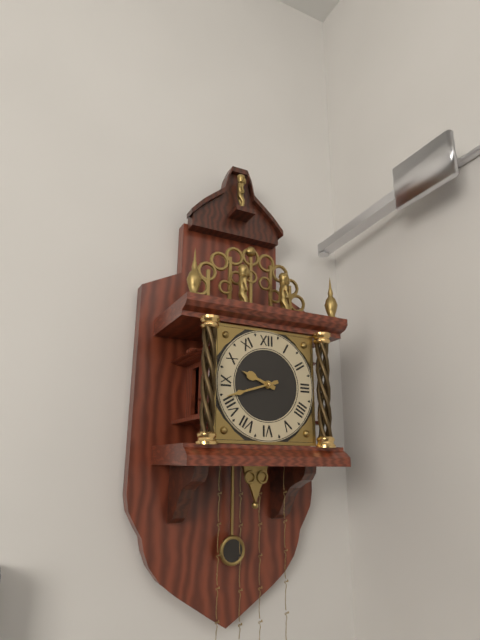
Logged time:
9h42
